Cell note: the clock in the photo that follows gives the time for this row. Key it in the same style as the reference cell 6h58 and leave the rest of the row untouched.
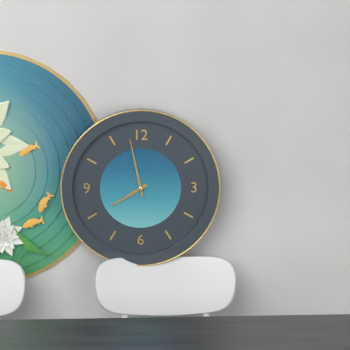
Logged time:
7h58
